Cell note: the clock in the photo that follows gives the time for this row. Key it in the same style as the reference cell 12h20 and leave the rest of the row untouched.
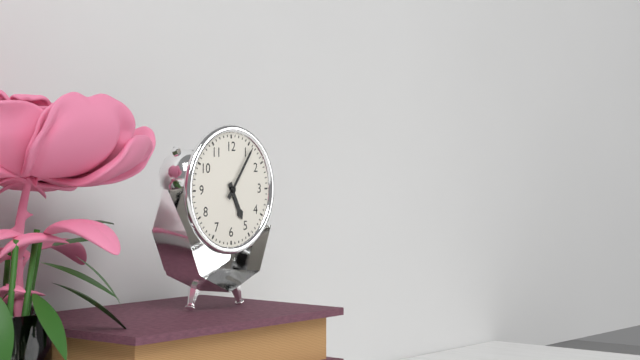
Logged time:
5h06
